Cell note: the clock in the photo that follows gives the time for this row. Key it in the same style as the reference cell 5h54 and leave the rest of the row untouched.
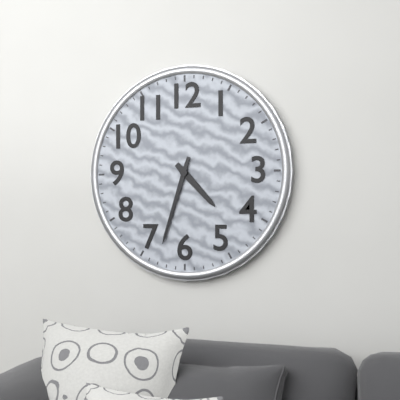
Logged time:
4h33
